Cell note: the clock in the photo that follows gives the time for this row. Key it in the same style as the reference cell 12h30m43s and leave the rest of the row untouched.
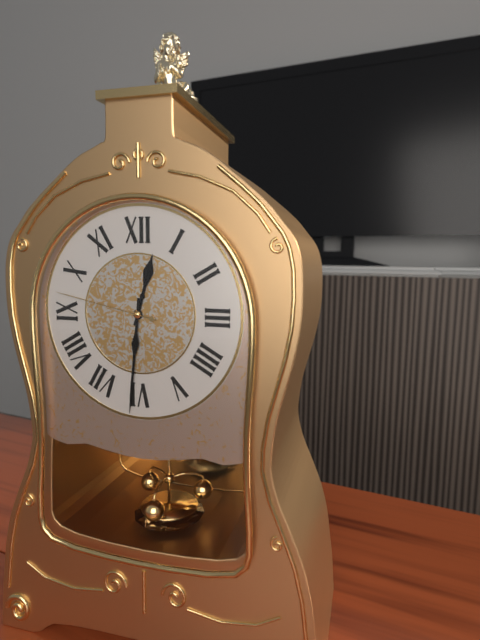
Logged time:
12h31m47s
